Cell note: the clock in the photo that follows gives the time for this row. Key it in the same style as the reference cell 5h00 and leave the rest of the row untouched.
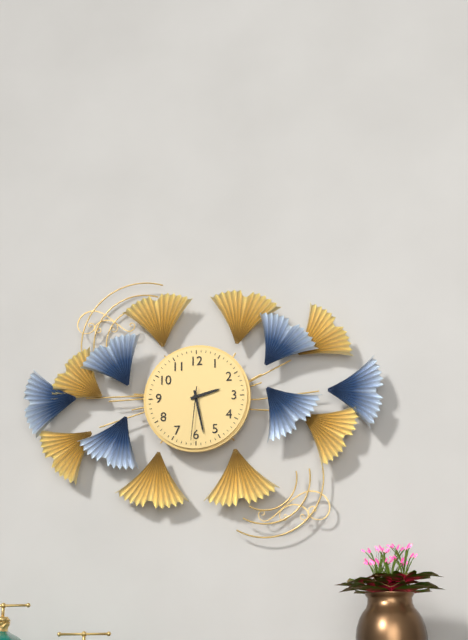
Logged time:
2h28
